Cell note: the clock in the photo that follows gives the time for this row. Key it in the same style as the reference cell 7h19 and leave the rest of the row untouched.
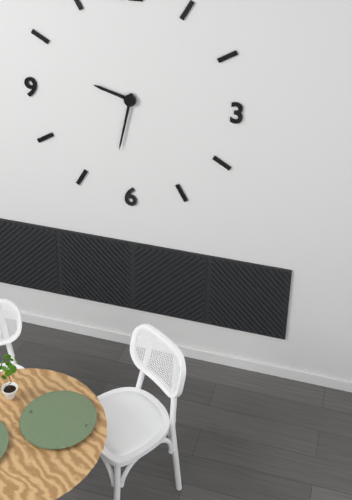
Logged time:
9h32
